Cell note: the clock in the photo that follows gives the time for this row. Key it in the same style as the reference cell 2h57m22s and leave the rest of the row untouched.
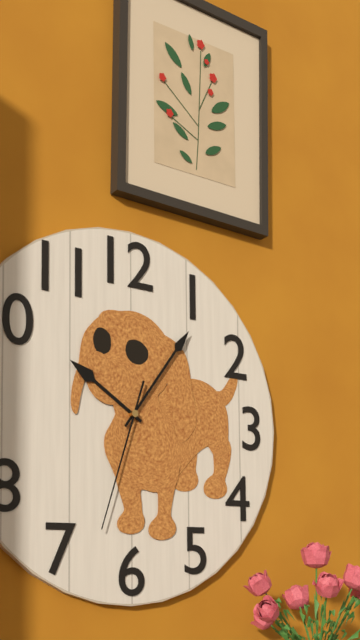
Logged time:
10h06m33s
